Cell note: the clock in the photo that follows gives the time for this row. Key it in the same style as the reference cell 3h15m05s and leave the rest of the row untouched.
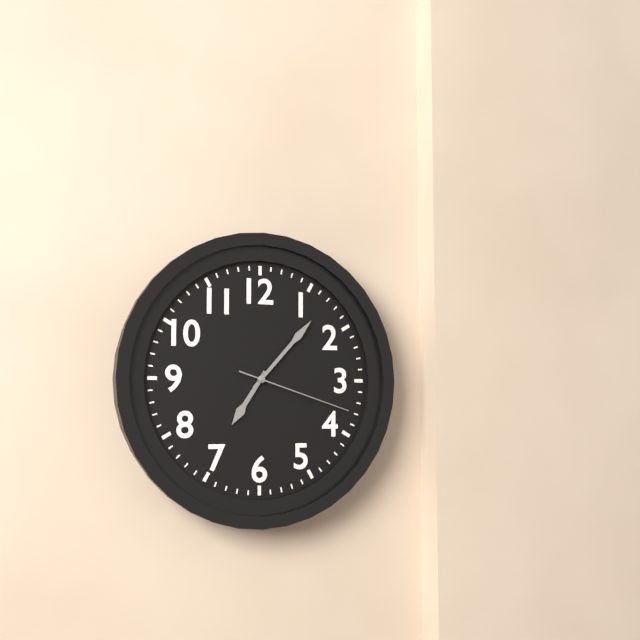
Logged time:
7h07m18s
